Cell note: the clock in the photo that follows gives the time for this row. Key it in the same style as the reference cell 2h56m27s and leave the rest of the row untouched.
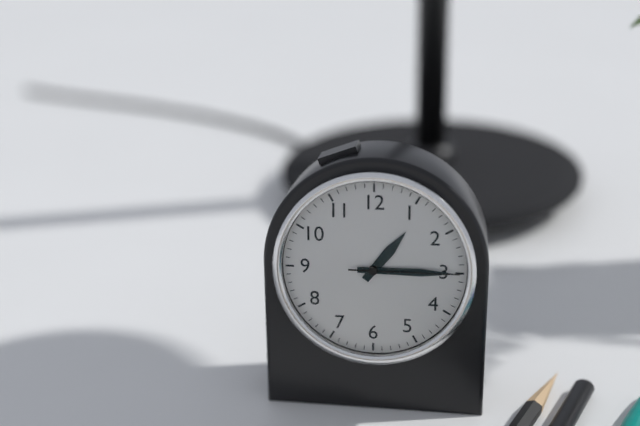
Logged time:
1h15m15s
